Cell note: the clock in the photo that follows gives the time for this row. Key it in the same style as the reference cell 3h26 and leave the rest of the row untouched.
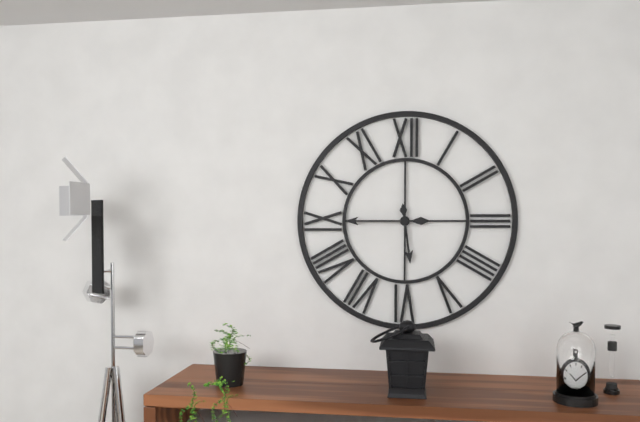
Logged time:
5h45
